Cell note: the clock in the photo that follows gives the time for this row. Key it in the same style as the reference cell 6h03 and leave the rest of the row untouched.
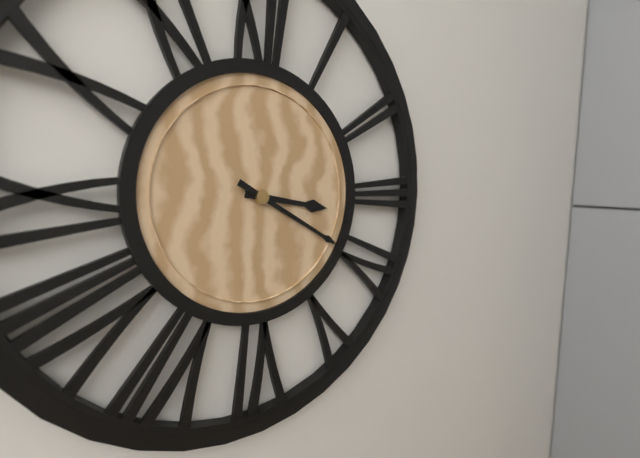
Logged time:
3h20
